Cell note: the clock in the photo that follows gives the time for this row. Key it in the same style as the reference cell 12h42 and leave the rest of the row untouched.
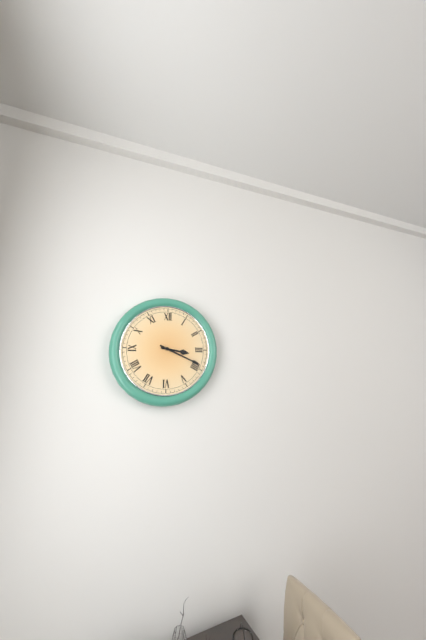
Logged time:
3h19
